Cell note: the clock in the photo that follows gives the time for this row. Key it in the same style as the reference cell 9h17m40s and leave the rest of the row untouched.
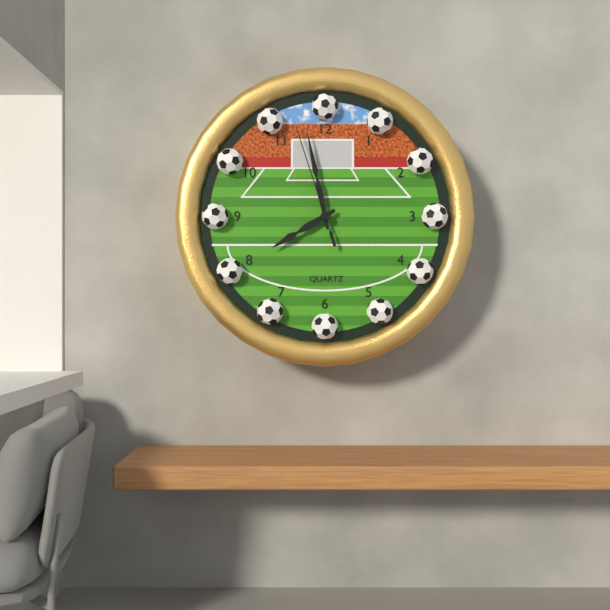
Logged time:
7h58m57s
